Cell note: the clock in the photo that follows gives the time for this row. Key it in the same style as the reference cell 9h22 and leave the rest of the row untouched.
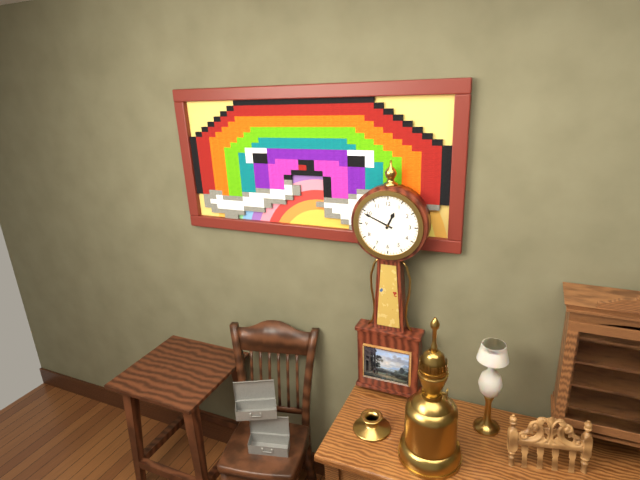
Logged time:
12h49
